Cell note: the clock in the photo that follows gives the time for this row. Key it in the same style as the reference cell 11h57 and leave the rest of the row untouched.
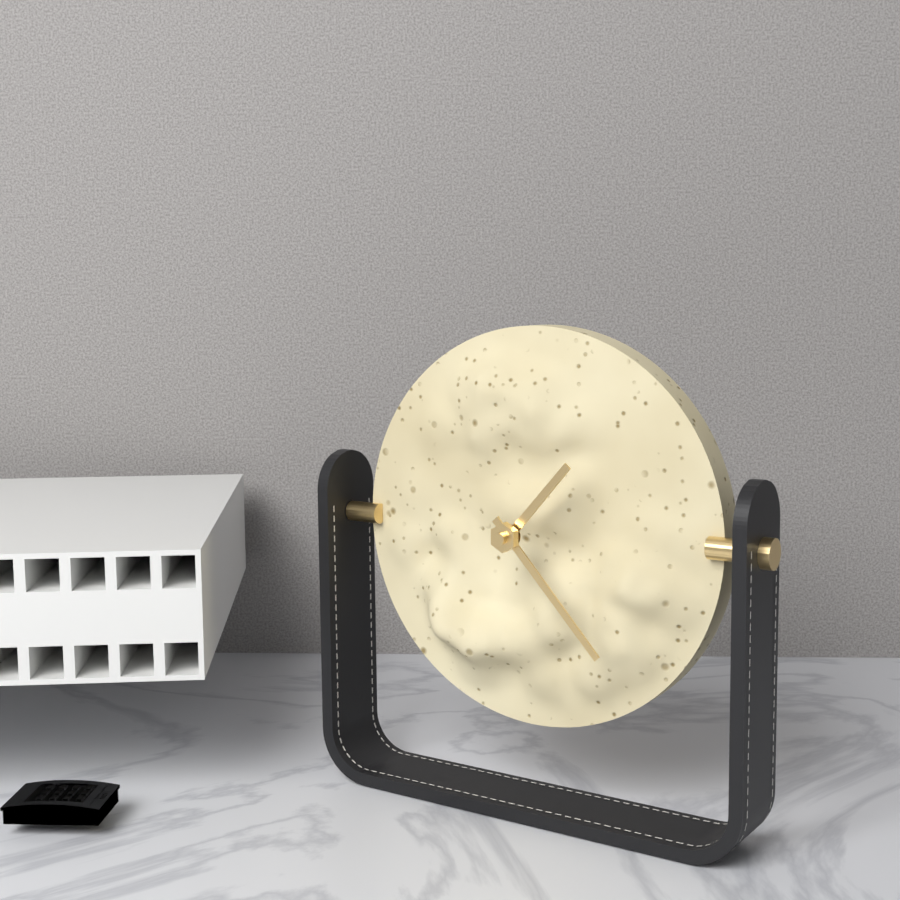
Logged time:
1h23
